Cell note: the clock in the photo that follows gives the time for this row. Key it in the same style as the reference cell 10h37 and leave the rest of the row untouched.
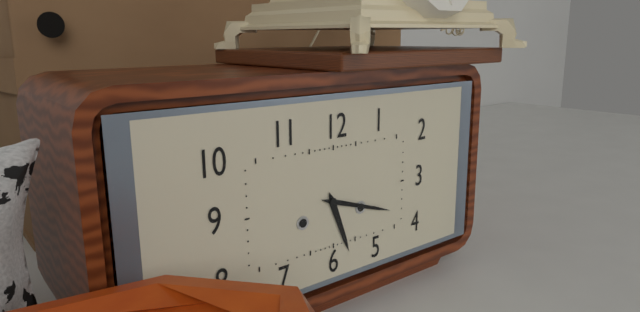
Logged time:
5h18
